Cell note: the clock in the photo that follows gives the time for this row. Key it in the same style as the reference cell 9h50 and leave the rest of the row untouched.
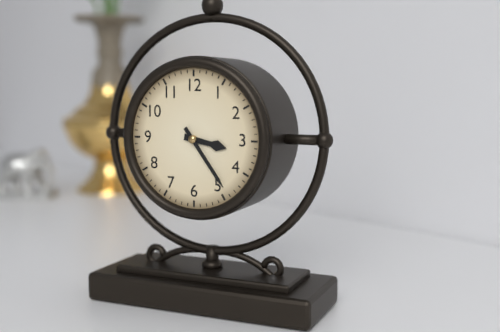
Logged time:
3h24
